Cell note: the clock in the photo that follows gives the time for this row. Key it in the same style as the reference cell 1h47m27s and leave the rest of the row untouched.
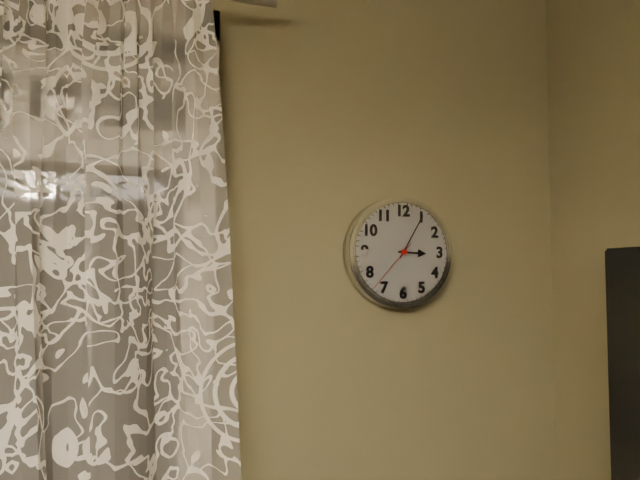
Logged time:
3h05m37s
